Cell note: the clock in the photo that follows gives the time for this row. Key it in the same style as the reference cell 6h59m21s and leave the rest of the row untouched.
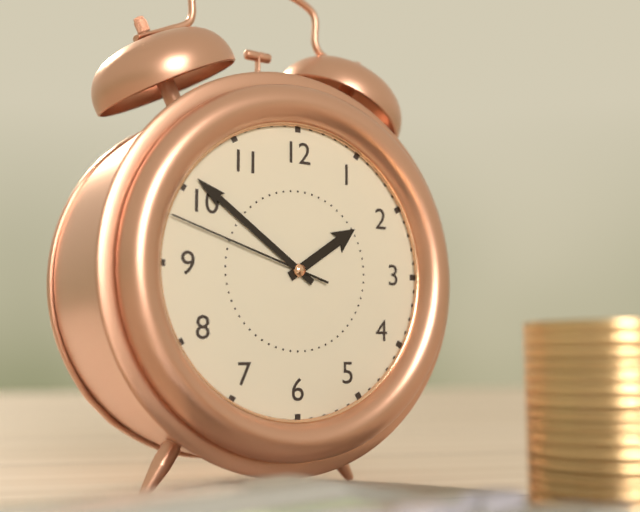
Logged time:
1h51m48s
